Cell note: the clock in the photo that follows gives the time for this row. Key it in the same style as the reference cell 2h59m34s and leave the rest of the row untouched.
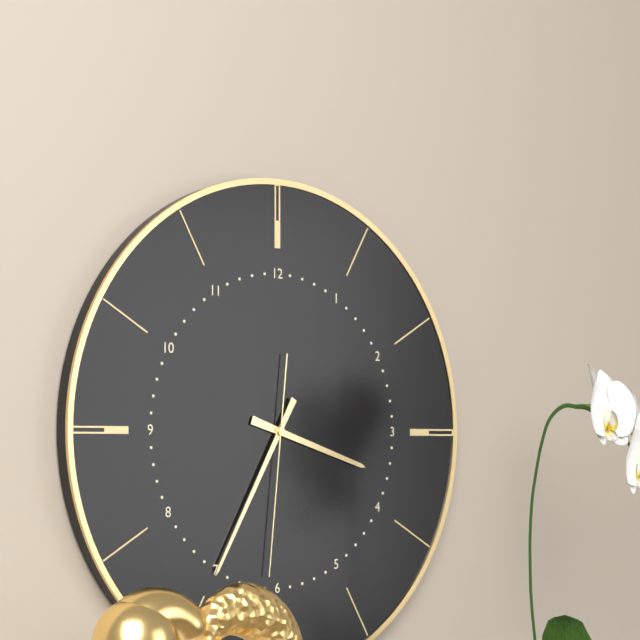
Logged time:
3h35m31s
